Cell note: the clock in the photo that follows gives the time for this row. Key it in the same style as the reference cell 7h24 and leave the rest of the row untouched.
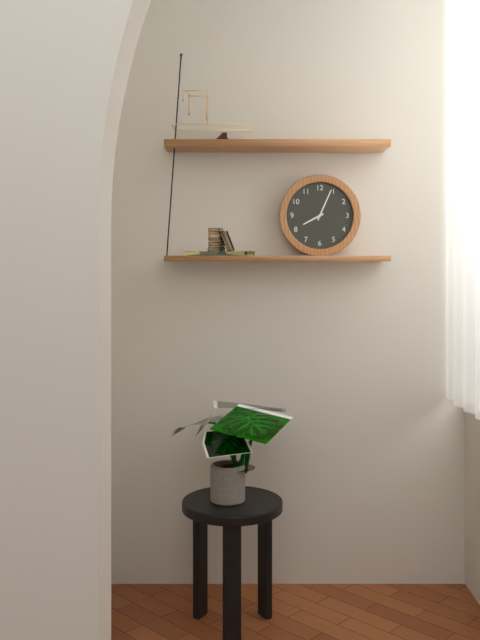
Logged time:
8h04
